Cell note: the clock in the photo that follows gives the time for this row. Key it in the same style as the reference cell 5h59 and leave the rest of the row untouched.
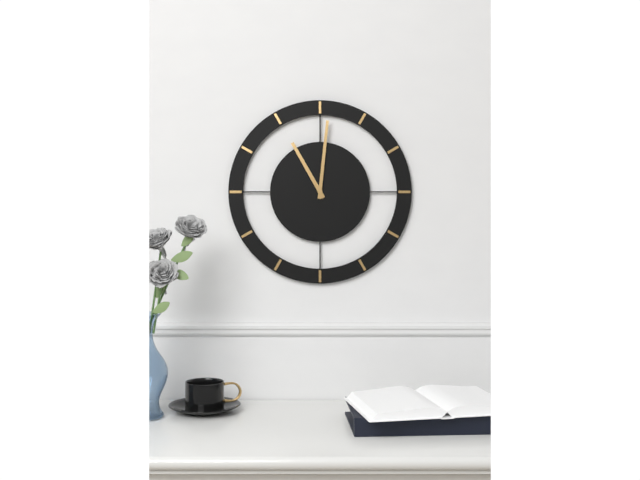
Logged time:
11h01
